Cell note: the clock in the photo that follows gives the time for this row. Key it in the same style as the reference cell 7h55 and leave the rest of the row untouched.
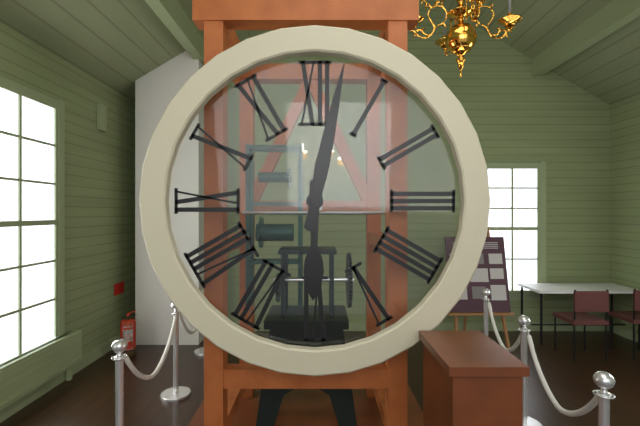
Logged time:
6h02
